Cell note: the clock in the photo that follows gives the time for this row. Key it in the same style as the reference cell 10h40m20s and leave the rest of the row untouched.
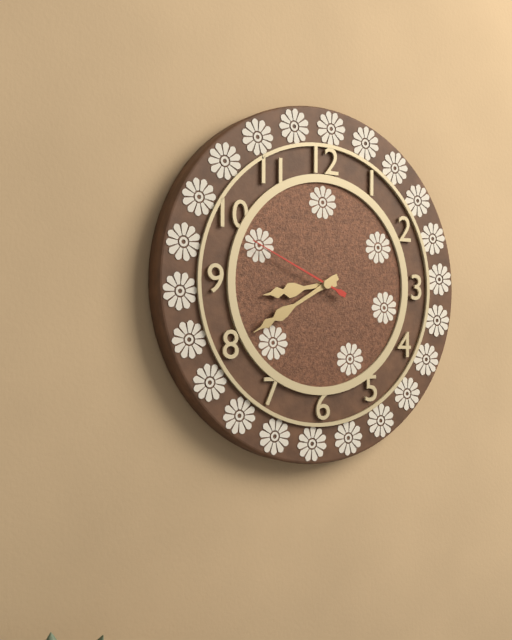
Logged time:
8h40m49s
